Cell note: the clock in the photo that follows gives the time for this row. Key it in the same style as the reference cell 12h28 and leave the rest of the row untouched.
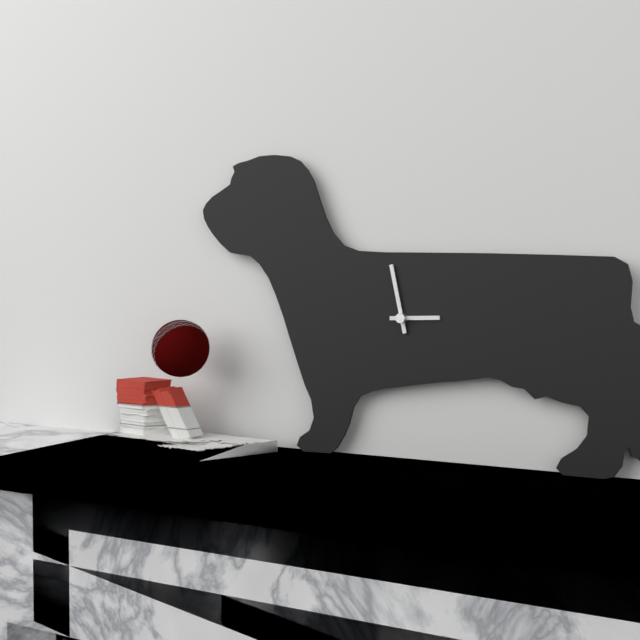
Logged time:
2h58
